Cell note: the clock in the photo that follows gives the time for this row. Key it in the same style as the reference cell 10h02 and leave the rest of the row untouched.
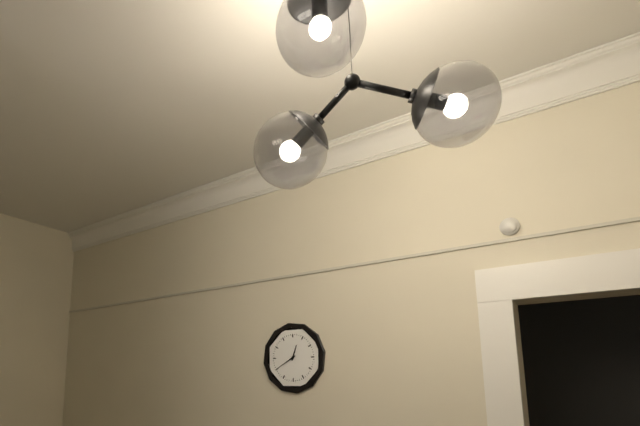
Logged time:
12h40
